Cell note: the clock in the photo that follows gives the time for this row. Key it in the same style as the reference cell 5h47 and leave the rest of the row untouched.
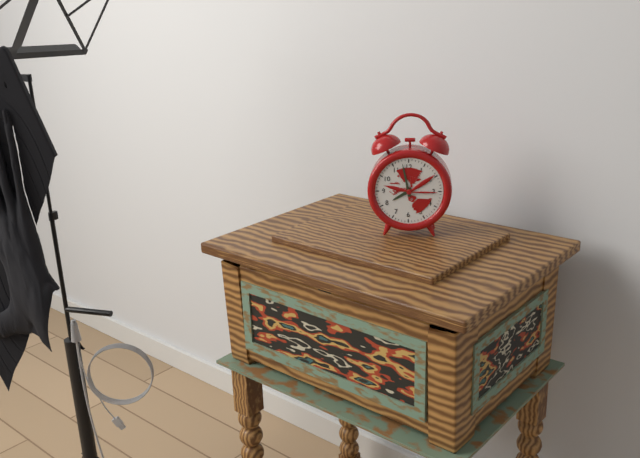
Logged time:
7h58
